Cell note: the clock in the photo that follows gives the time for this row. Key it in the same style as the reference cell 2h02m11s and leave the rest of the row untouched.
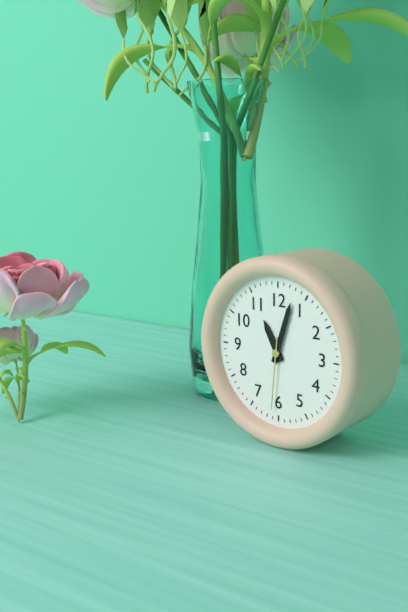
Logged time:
11h03m31s
